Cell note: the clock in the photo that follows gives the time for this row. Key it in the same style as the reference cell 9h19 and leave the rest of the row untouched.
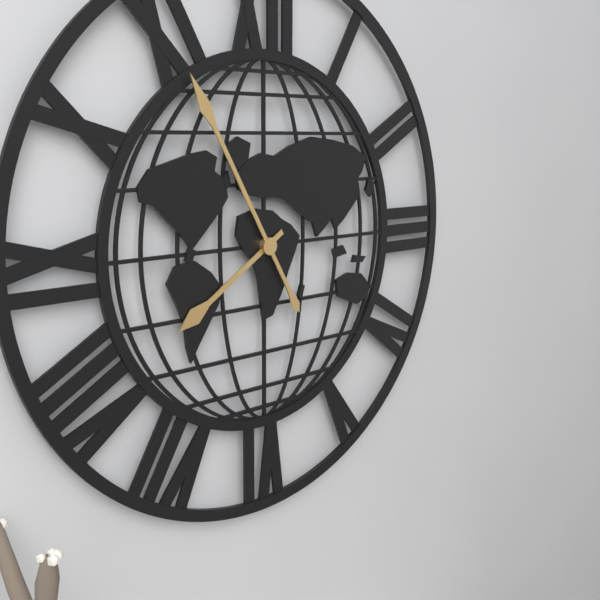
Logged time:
7h55
